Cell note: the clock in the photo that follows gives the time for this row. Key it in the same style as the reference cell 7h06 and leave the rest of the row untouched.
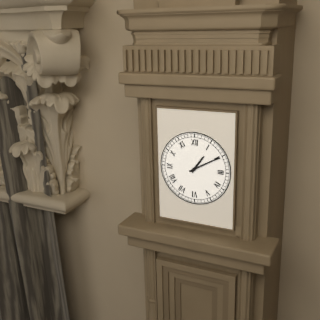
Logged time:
1h10
